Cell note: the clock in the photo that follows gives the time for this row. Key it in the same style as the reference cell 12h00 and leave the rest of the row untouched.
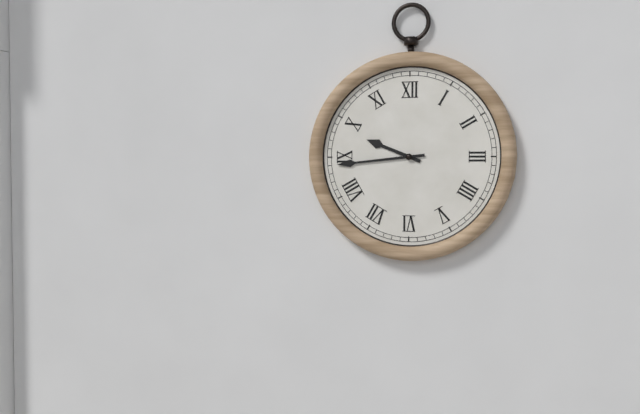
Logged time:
9h44
